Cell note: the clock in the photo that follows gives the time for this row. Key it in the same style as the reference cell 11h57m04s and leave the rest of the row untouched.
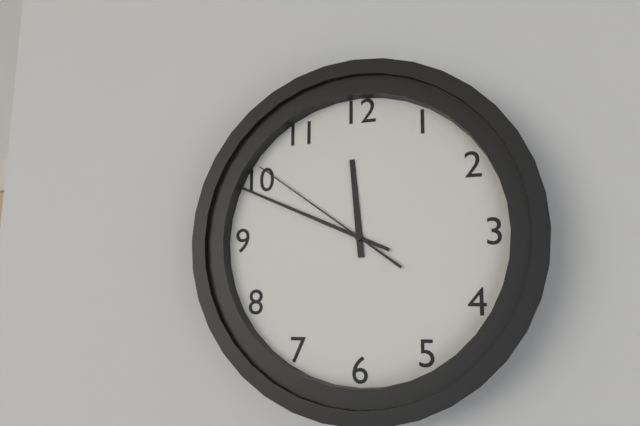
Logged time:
11h49m51s
